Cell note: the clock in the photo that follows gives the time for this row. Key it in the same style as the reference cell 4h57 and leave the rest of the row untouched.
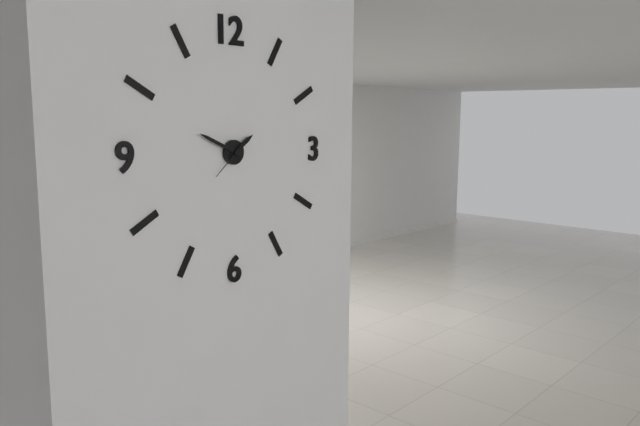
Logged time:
1h49
